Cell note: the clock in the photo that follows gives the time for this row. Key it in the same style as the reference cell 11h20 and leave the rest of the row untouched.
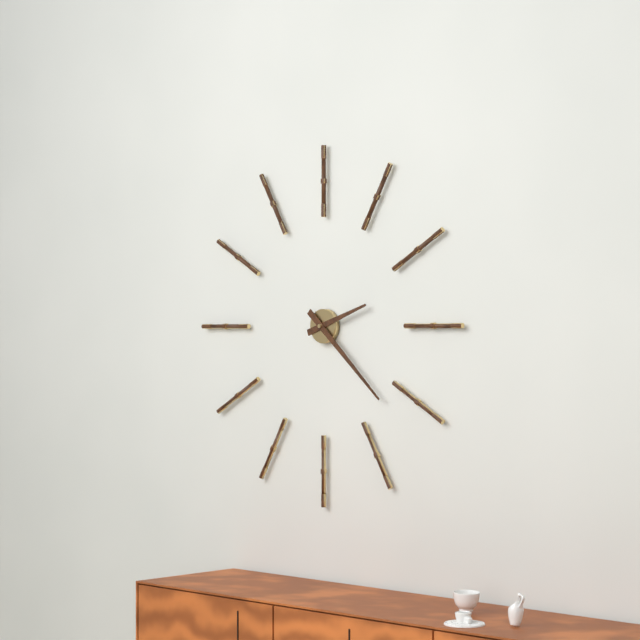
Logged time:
2h22
